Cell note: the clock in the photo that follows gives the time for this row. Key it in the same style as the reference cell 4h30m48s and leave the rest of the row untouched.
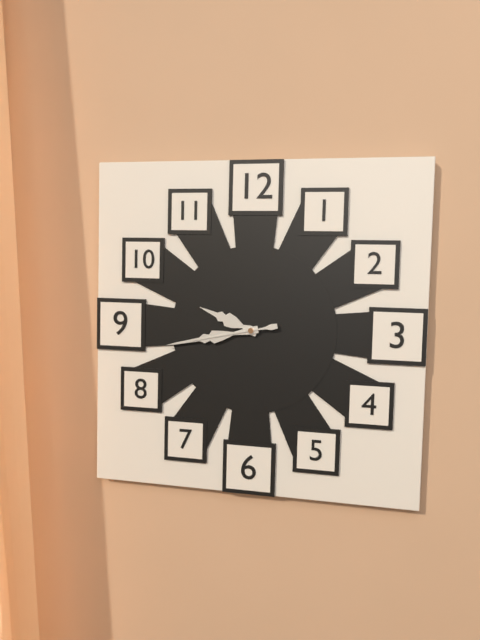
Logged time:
9h43m43s
